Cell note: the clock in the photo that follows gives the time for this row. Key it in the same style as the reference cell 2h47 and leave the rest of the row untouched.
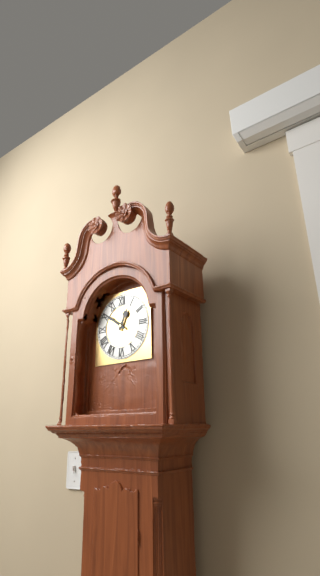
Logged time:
12h51
